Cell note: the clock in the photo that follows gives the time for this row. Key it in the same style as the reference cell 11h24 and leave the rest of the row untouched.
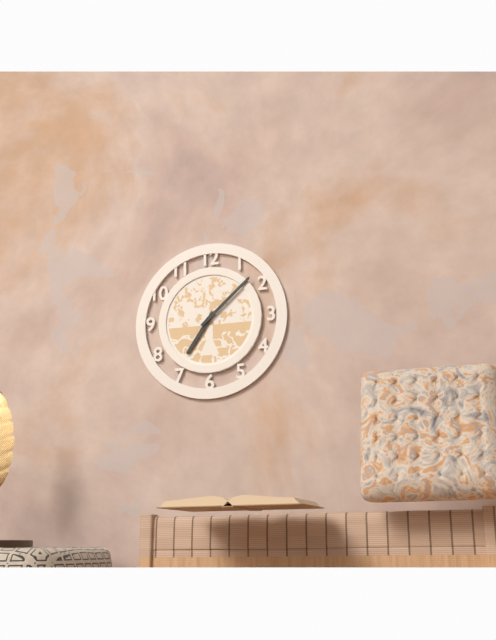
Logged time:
7h08
